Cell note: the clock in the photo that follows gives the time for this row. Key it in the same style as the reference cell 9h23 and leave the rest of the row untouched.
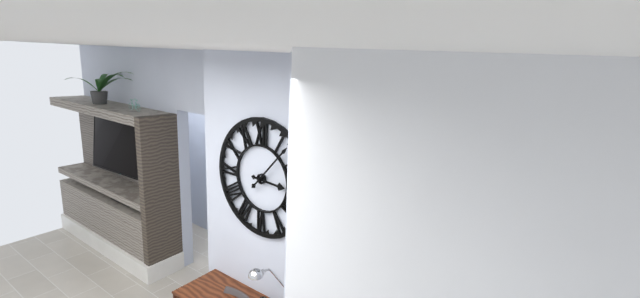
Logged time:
3h07
